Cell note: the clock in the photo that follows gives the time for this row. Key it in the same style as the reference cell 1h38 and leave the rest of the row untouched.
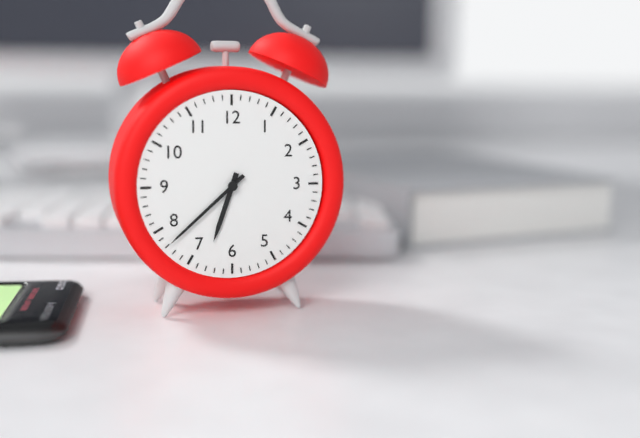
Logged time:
6h38
